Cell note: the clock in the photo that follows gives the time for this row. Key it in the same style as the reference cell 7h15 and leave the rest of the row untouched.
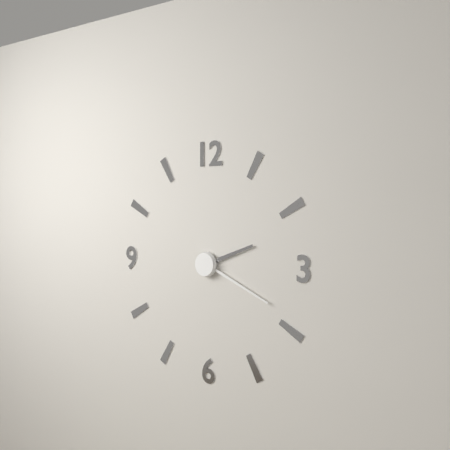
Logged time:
2h19
